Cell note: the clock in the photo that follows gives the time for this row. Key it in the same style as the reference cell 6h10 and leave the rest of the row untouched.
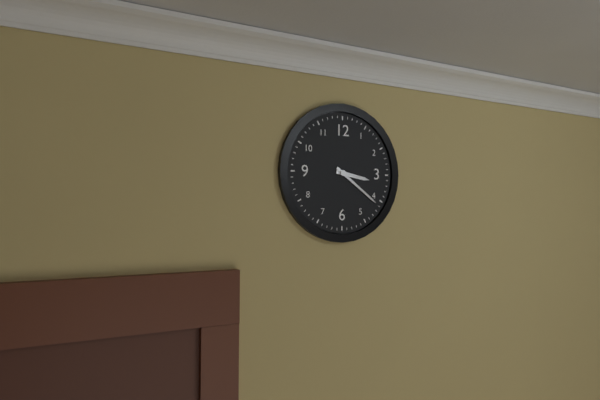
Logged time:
3h21
